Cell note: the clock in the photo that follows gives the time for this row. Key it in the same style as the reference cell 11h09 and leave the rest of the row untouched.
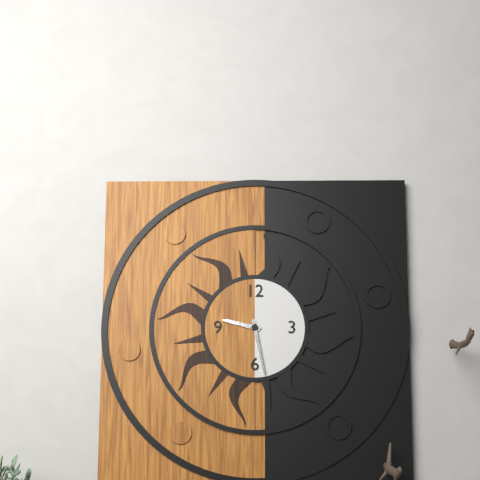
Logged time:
9h28
